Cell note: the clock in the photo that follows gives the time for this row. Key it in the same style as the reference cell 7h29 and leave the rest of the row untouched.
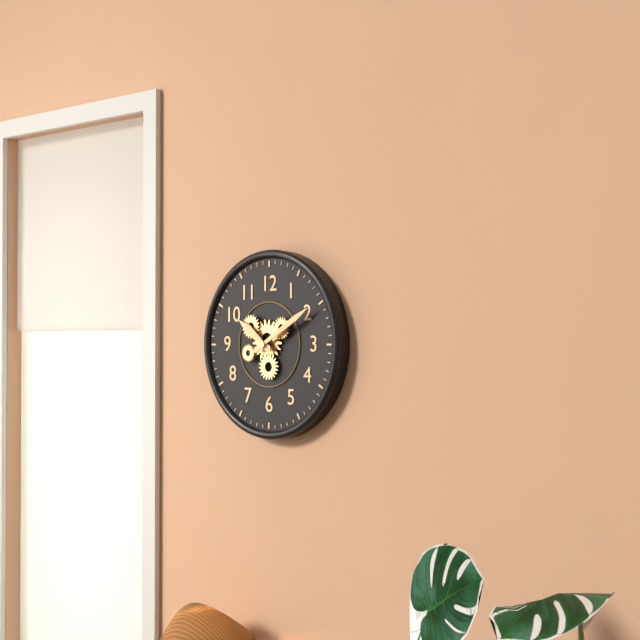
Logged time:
10h10
